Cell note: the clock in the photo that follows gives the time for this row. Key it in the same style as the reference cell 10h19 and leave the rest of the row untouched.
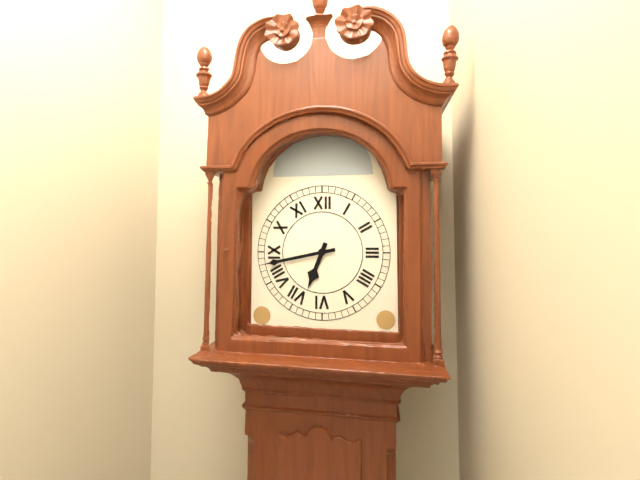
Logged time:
6h43
